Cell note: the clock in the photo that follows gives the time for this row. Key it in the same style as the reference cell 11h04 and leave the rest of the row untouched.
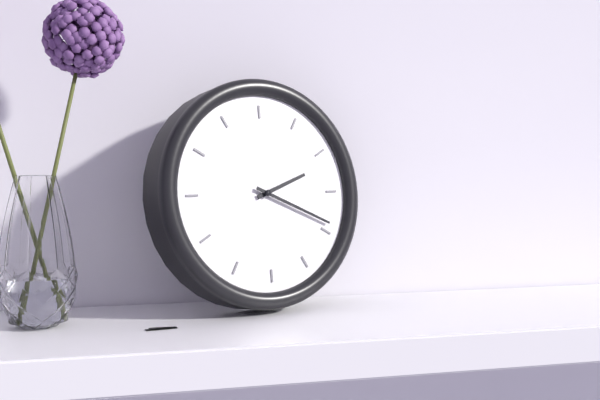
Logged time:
2h19
